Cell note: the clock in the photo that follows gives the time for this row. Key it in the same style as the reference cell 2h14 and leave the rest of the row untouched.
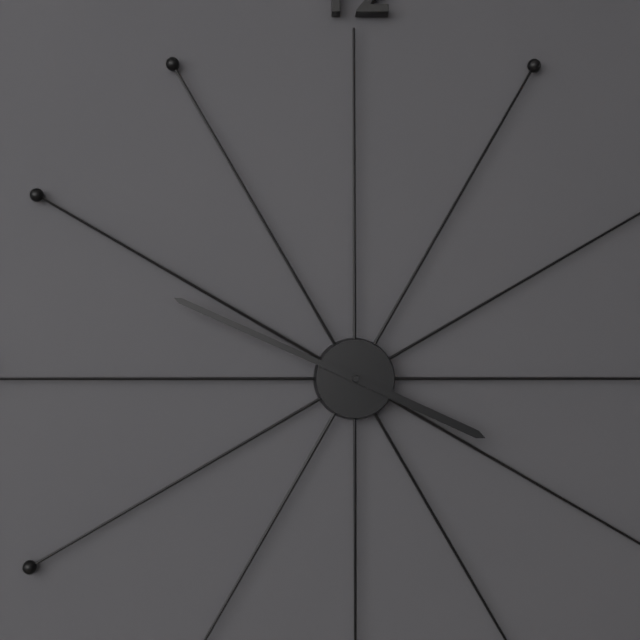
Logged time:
3h49
